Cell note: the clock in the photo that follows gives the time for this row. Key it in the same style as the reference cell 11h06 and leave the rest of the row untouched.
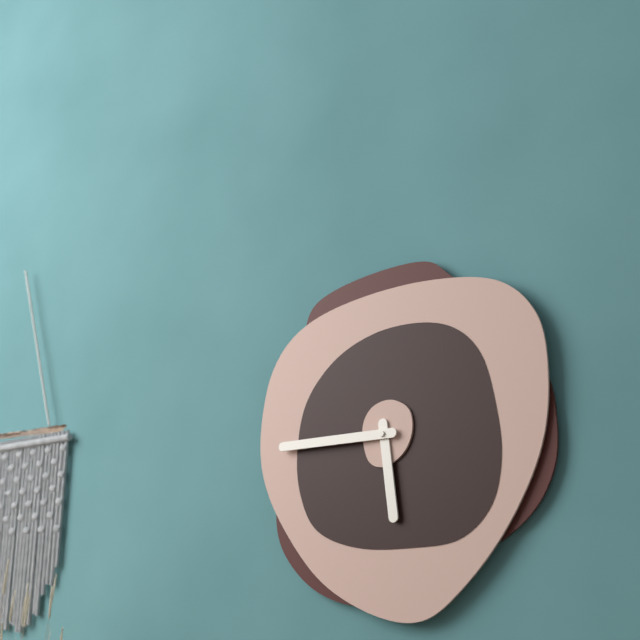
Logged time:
5h45
